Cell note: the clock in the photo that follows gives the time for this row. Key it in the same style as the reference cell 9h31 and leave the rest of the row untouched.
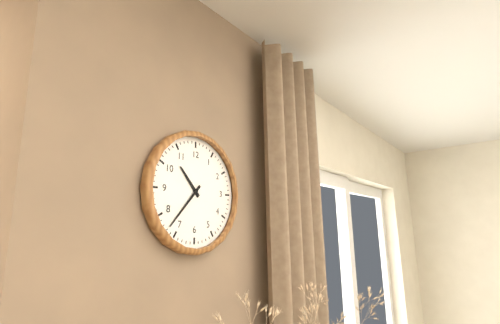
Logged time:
10h37
